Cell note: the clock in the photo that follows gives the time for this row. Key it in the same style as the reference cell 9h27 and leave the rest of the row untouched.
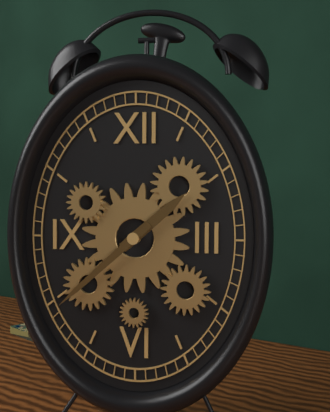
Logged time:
1h38
